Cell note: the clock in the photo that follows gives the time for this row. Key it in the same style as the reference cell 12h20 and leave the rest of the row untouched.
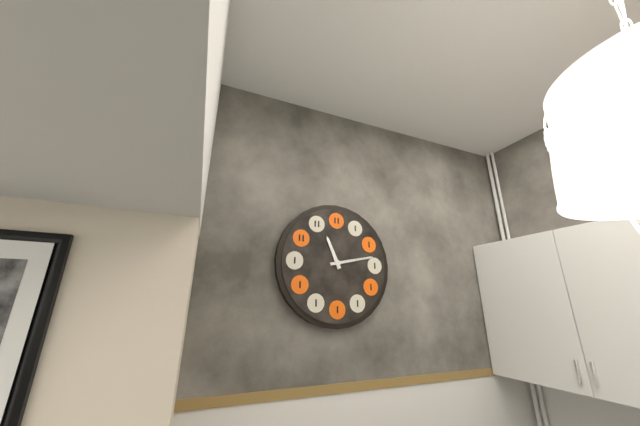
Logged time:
11h13
